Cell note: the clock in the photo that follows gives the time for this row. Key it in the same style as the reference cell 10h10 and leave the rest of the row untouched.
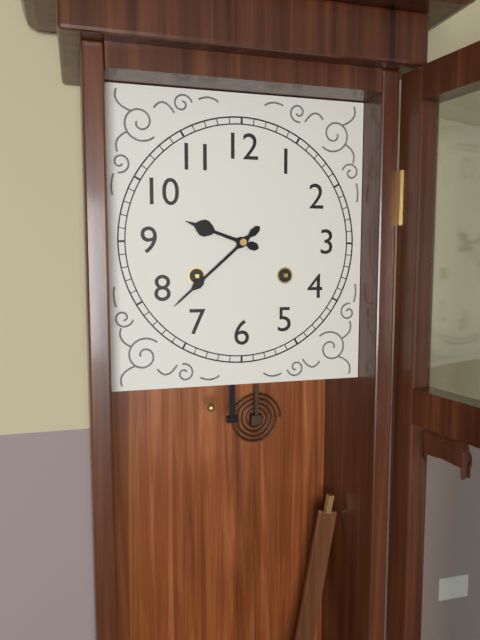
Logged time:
9h38
